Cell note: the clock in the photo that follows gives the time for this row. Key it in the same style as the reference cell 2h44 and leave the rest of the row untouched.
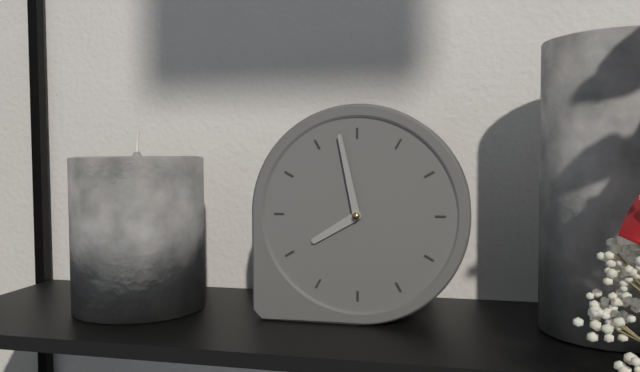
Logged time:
7h58
